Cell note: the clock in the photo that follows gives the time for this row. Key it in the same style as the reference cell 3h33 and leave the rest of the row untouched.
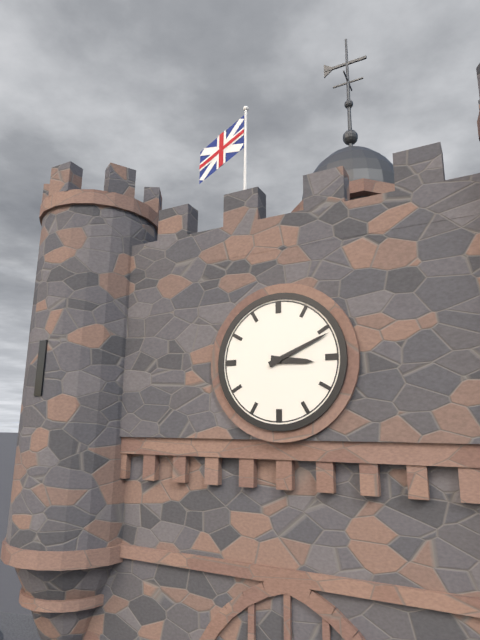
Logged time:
3h11
